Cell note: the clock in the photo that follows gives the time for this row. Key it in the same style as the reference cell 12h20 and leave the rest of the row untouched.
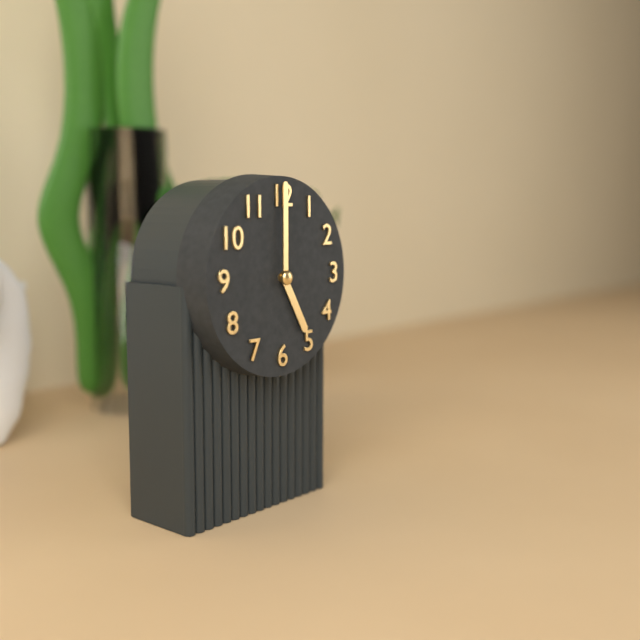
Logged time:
5h00
